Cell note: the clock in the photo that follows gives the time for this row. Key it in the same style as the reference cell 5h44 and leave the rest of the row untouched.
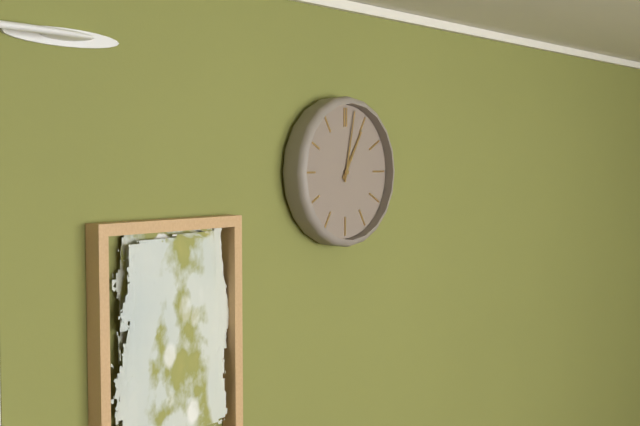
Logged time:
1h02
